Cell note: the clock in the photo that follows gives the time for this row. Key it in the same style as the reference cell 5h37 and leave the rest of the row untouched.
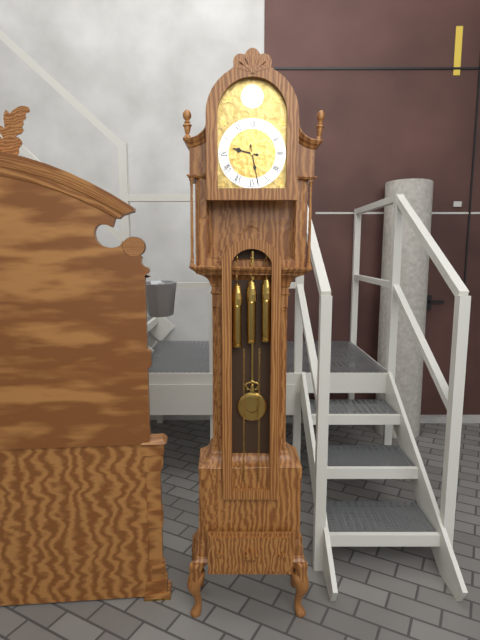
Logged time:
9h28
